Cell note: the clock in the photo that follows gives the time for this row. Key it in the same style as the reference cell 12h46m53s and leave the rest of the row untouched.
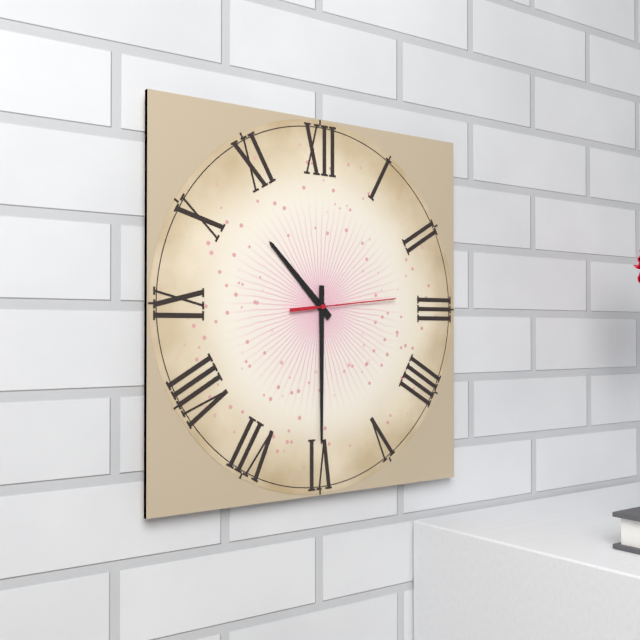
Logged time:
10h30m14s
